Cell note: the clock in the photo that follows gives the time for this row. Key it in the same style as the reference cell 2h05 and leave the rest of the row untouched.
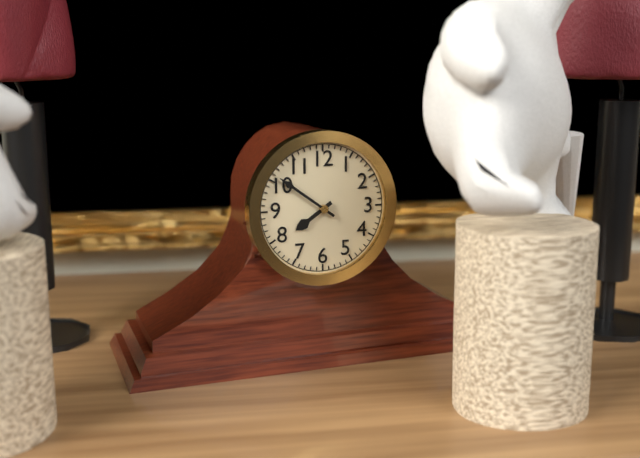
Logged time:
7h51
